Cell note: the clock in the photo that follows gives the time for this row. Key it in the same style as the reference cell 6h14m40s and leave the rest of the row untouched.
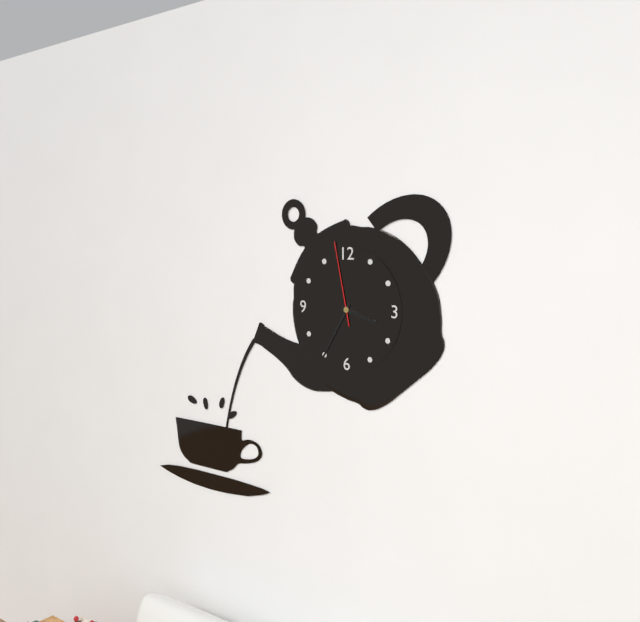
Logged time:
3h35m58s
